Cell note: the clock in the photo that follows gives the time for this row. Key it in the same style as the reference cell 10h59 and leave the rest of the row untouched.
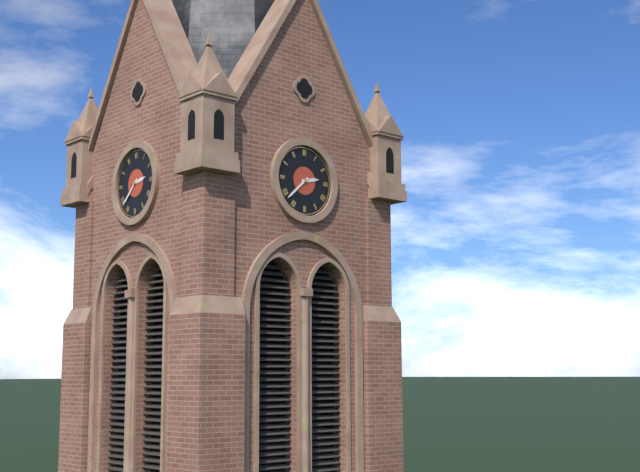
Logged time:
2h38
